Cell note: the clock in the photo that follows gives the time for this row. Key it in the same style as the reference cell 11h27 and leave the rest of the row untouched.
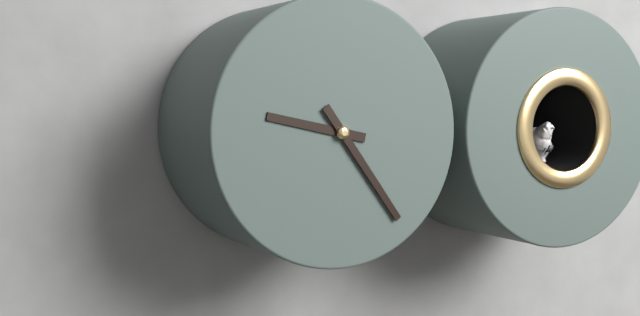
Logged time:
9h24
